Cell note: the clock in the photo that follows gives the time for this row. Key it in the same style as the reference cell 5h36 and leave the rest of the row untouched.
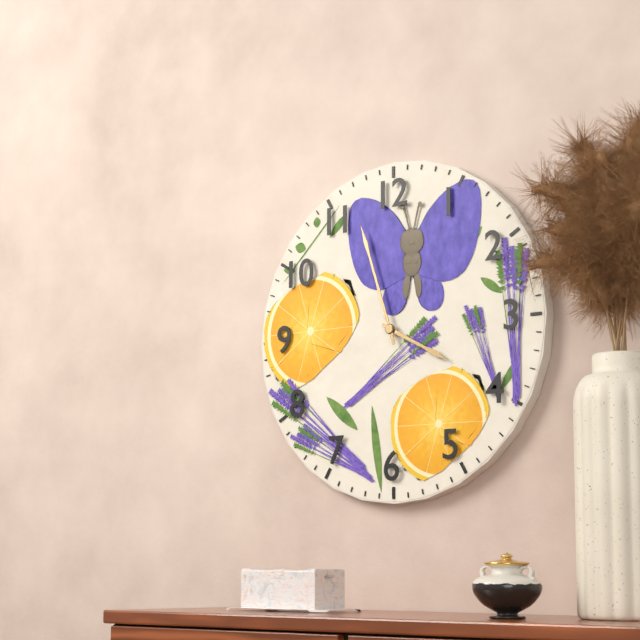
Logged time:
3h57
